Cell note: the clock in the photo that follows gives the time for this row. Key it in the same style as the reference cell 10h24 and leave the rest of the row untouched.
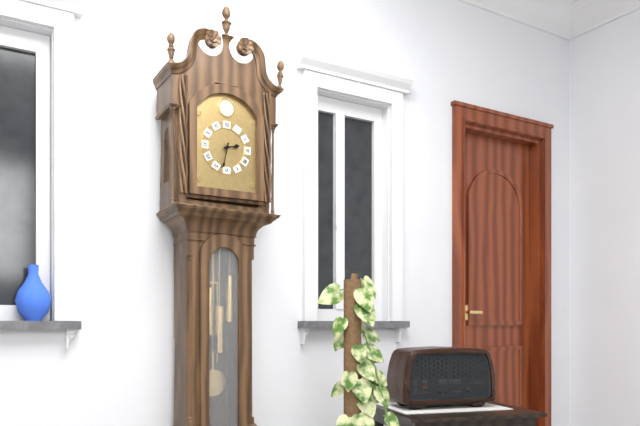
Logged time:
2h32
